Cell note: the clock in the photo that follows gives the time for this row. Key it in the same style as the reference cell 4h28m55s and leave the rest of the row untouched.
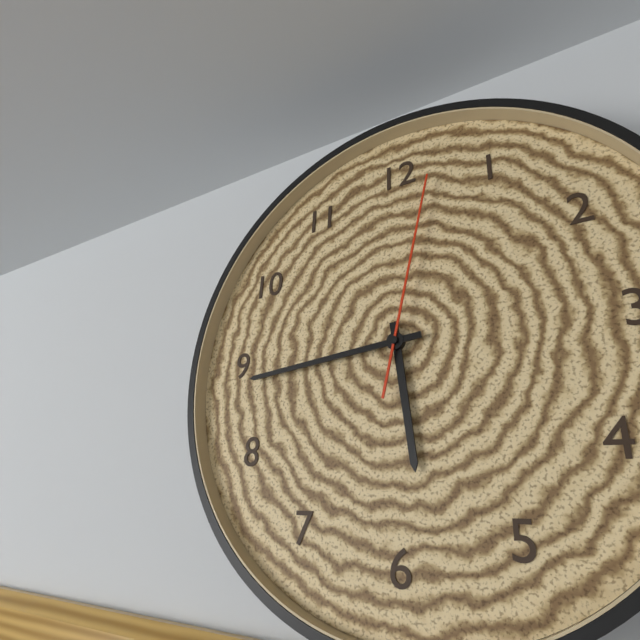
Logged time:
5h44m02s
